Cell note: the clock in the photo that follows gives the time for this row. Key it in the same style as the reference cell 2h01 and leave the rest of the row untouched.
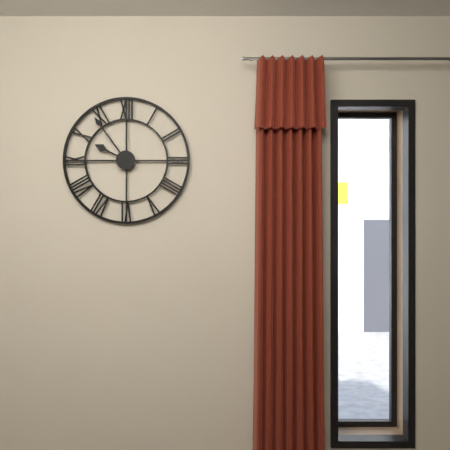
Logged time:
9h54
